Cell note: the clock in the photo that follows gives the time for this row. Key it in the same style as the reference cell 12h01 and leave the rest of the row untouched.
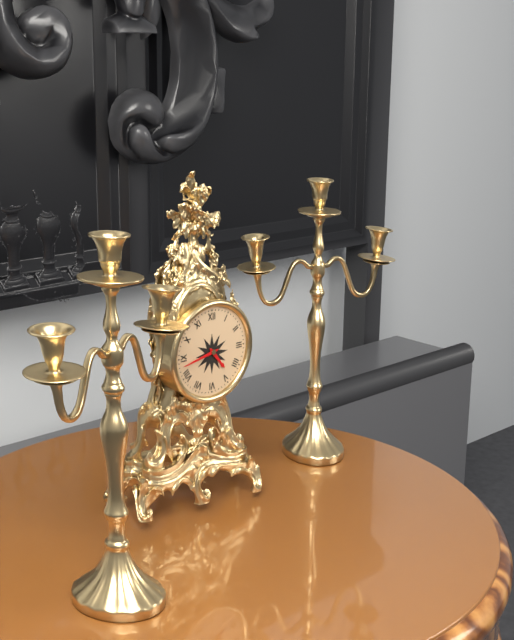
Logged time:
4h43
